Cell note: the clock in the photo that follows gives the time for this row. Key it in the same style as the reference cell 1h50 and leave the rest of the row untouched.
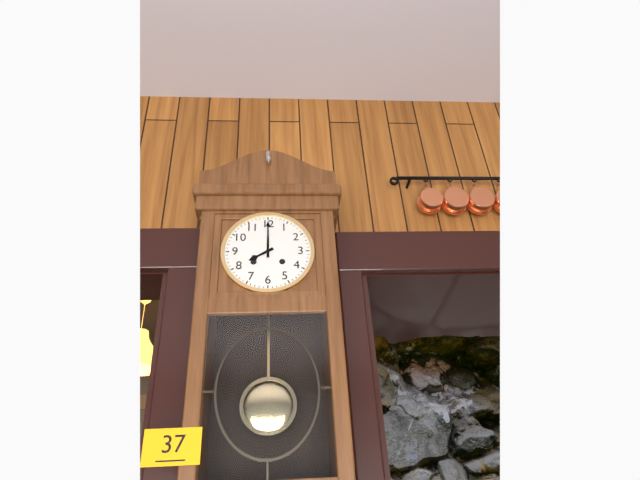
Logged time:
8h00
